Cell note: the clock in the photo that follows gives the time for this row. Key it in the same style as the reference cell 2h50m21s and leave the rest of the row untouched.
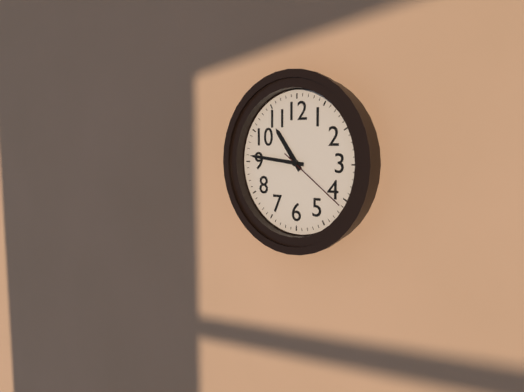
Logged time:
10h46m21s
